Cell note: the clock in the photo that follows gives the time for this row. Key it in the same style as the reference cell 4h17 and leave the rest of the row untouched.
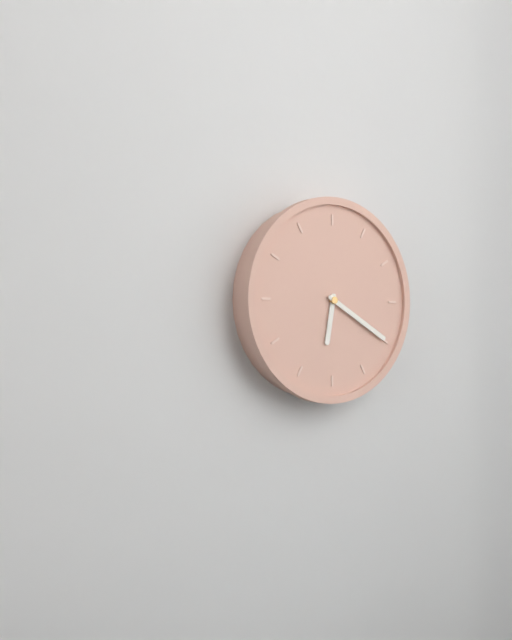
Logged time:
6h20
